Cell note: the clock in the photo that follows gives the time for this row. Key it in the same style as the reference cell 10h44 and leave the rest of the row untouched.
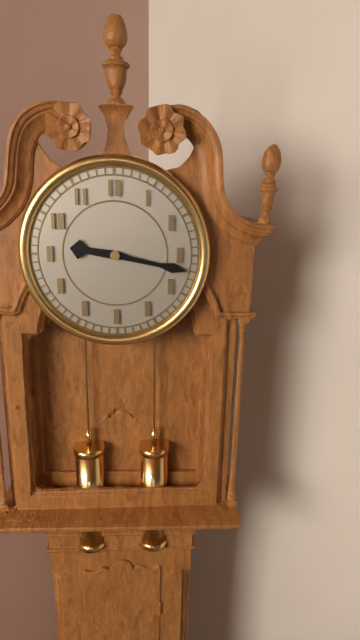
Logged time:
9h17
